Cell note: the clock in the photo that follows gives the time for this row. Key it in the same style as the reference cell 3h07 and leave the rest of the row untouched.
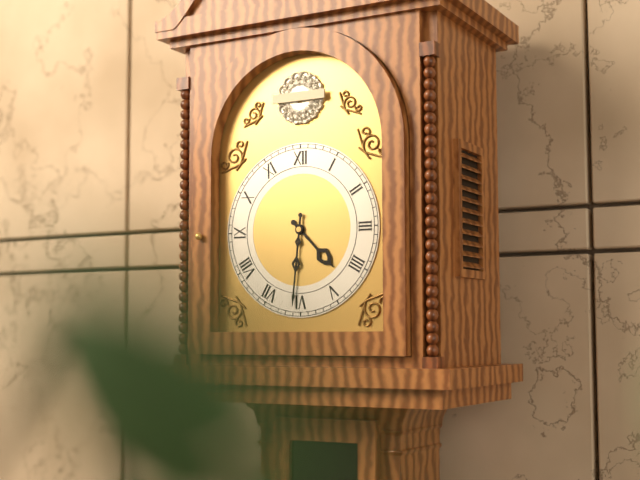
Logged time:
4h31
